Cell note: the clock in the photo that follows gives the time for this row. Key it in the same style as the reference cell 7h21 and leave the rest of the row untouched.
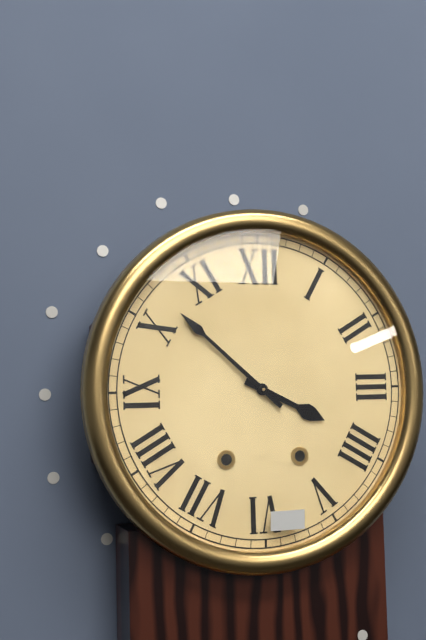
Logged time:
3h52
